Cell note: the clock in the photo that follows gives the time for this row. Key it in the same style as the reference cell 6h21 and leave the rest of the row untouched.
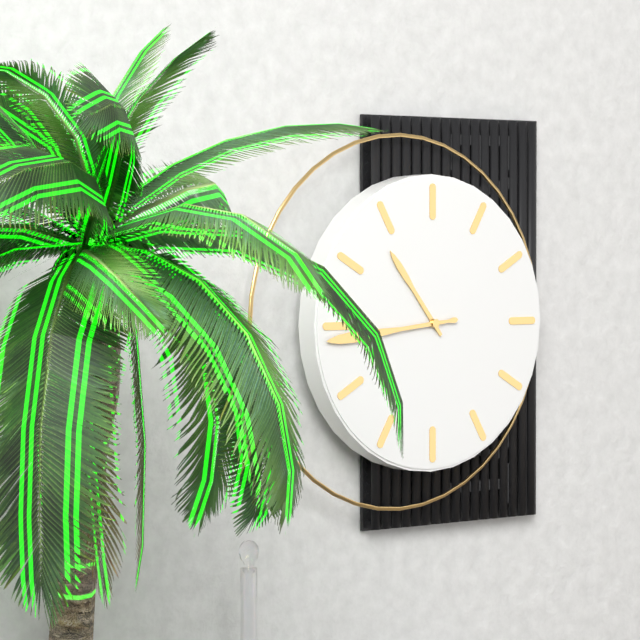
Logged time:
10h44
